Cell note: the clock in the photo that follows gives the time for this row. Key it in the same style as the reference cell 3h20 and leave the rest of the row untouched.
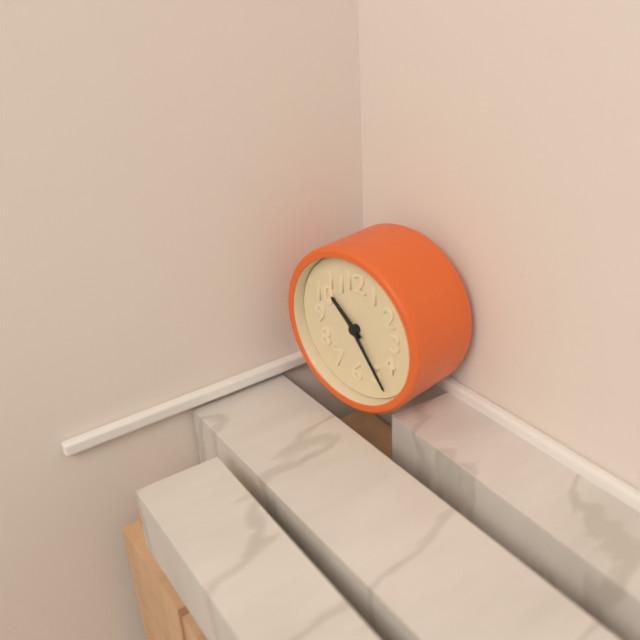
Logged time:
10h24
